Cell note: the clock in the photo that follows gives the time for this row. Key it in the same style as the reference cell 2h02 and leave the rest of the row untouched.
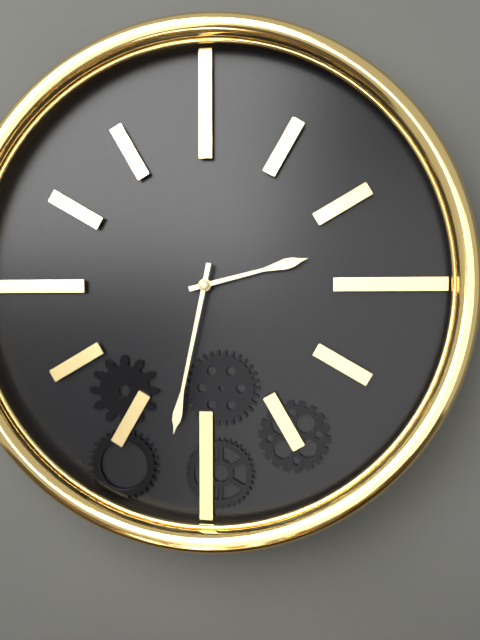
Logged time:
2h32
